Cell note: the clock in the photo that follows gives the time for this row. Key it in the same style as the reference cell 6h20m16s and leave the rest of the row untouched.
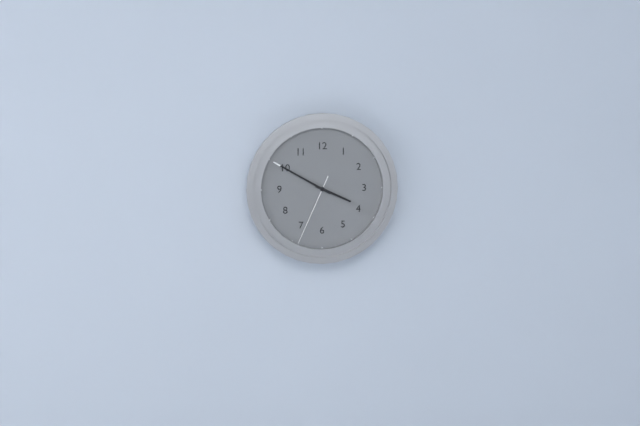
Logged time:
3h50m34s
